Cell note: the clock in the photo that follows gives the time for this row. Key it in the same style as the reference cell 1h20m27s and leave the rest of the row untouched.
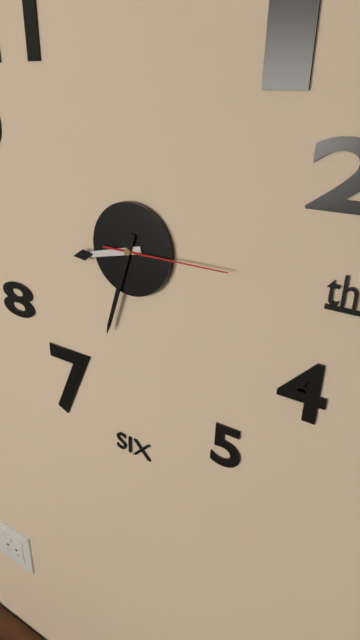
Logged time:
8h33m15s
